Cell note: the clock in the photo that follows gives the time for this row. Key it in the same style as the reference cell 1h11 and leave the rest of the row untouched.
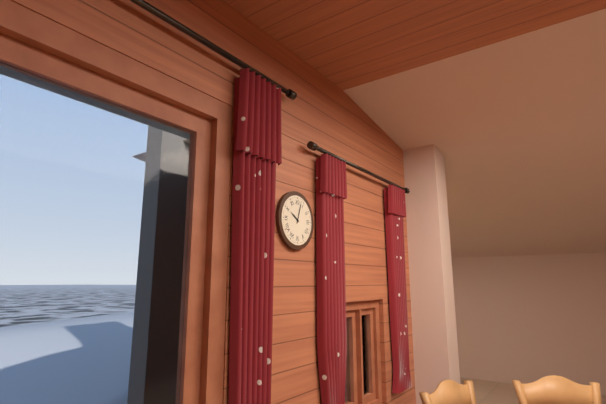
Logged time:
10h03
